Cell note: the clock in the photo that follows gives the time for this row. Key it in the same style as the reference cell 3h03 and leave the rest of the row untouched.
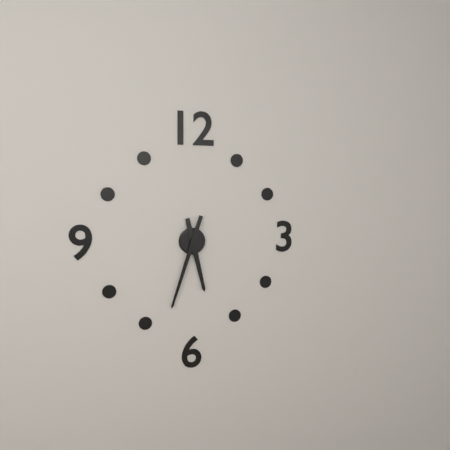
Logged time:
5h33
